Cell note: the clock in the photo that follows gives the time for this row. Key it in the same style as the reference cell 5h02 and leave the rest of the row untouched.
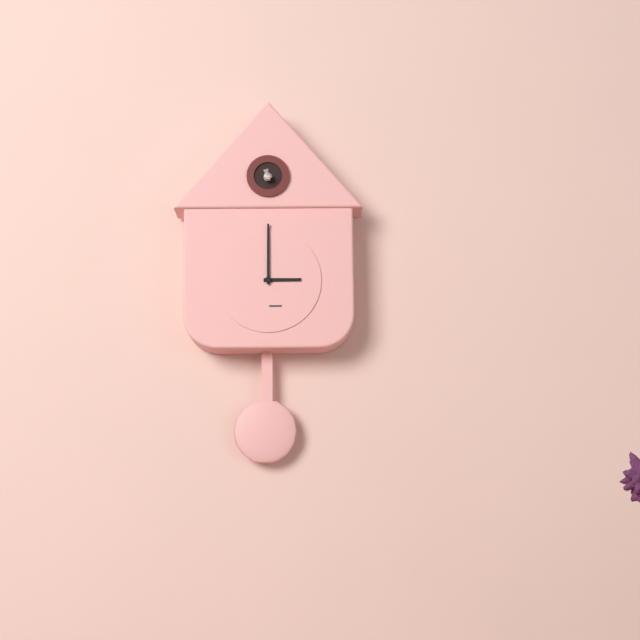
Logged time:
3h00
